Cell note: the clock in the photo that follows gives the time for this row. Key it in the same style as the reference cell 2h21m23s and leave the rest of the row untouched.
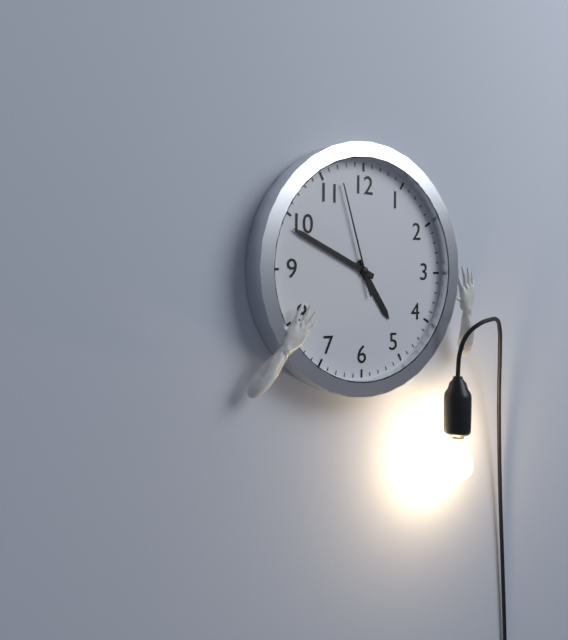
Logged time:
4h49m57s
